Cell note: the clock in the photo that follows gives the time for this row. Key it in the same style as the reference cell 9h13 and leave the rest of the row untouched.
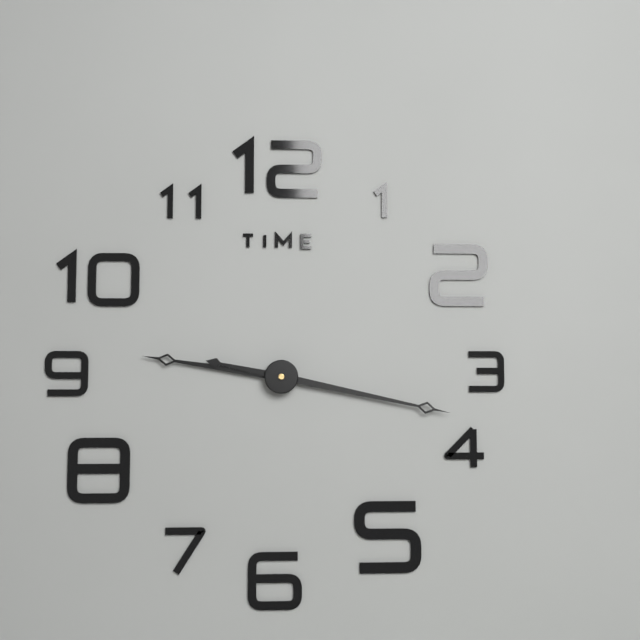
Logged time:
9h17
